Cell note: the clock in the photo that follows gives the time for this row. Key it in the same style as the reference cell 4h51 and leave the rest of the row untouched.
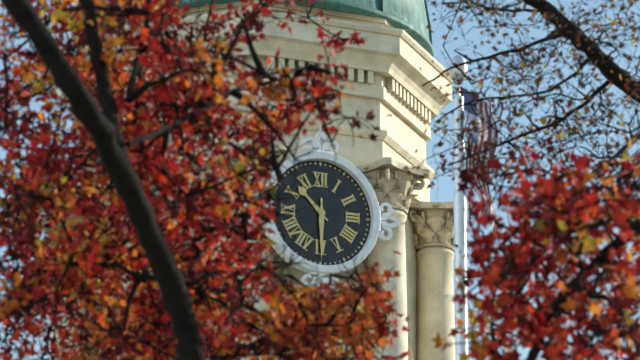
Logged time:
10h30
